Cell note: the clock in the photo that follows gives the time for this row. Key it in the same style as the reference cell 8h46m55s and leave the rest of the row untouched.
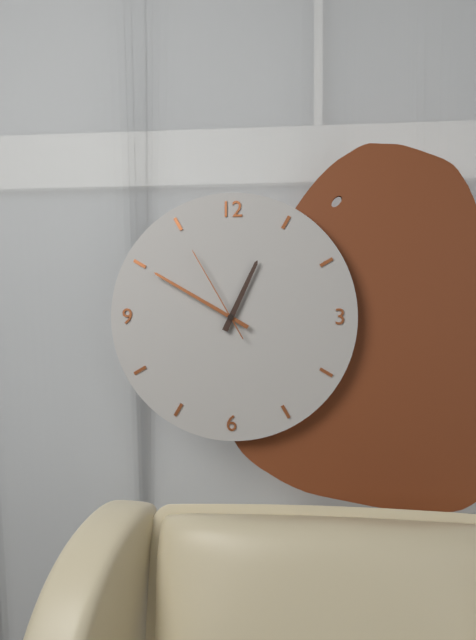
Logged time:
12h50m55s
